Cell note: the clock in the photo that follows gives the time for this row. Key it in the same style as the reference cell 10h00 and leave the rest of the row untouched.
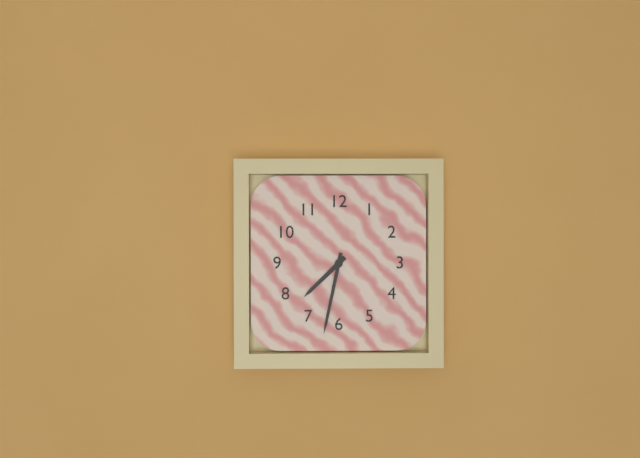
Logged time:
7h32
